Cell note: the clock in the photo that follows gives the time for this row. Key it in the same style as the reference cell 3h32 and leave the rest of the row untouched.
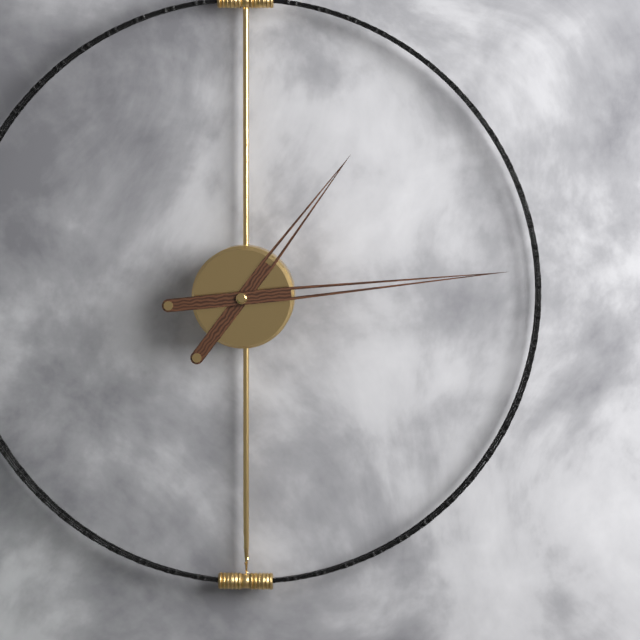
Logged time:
1h14
